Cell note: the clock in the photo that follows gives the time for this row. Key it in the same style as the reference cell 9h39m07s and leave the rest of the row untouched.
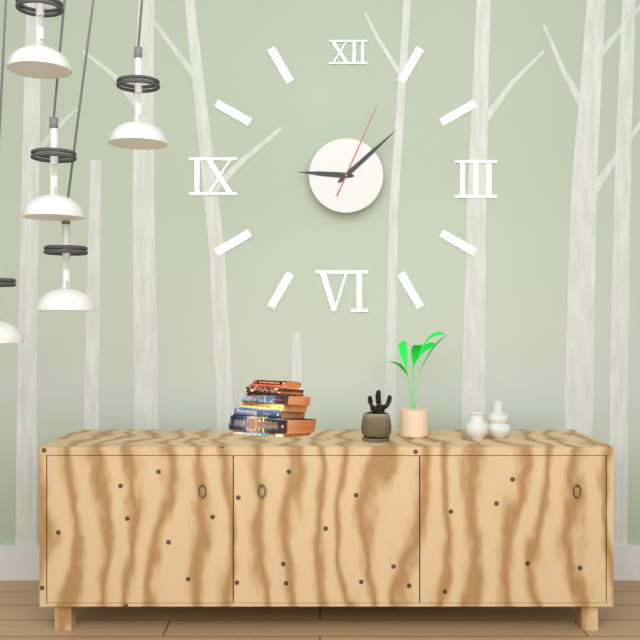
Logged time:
9h08m04s
